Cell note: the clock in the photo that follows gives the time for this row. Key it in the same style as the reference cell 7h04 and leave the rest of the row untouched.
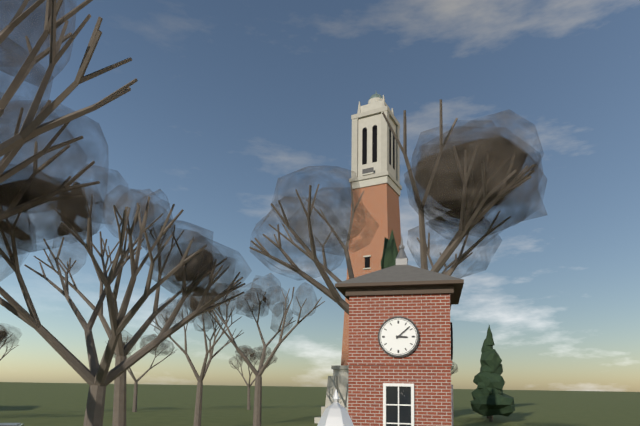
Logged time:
3h08
